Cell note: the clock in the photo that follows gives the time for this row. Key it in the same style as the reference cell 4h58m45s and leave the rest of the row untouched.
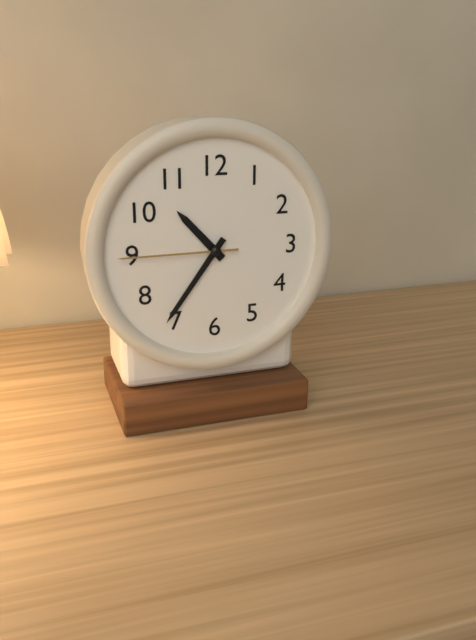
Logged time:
10h36m45s
